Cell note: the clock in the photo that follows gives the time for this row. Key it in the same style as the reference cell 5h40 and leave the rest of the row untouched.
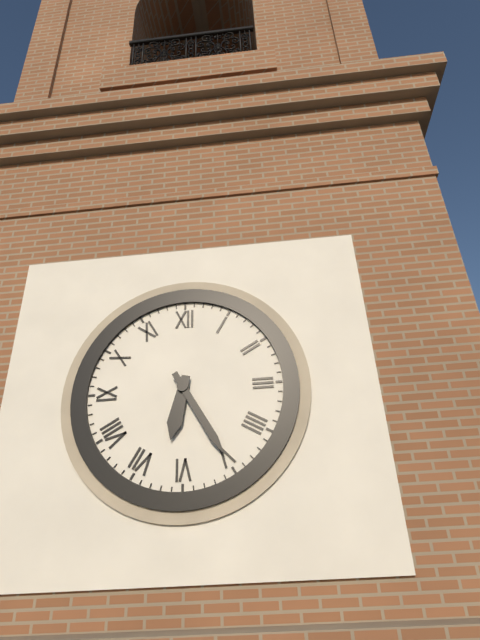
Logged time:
6h25
